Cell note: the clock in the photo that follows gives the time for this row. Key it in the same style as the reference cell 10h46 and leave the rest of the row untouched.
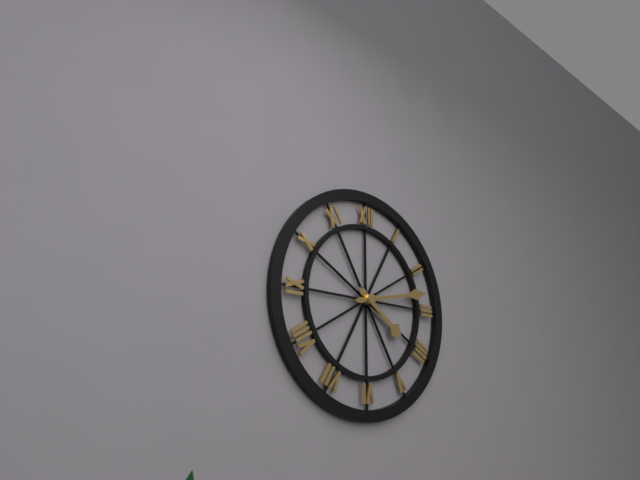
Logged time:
4h13
